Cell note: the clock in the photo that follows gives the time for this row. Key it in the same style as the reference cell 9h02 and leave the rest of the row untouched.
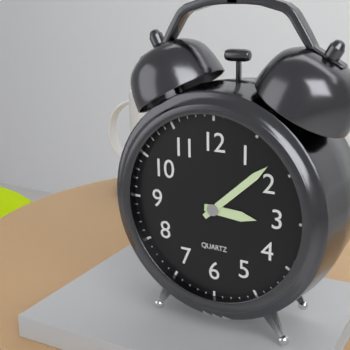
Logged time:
3h08
